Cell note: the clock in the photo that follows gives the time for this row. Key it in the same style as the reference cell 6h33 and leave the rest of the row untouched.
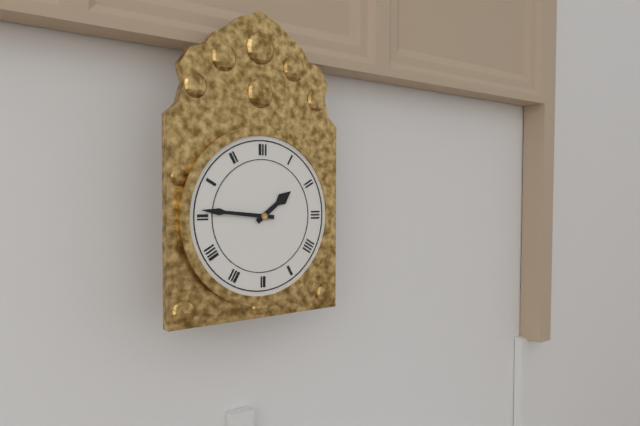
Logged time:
1h46
